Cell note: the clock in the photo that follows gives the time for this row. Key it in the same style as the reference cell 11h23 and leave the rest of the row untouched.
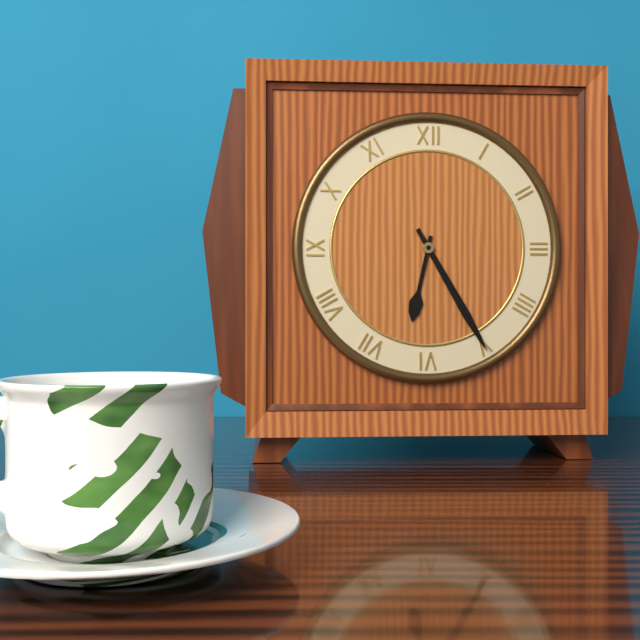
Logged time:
6h25
